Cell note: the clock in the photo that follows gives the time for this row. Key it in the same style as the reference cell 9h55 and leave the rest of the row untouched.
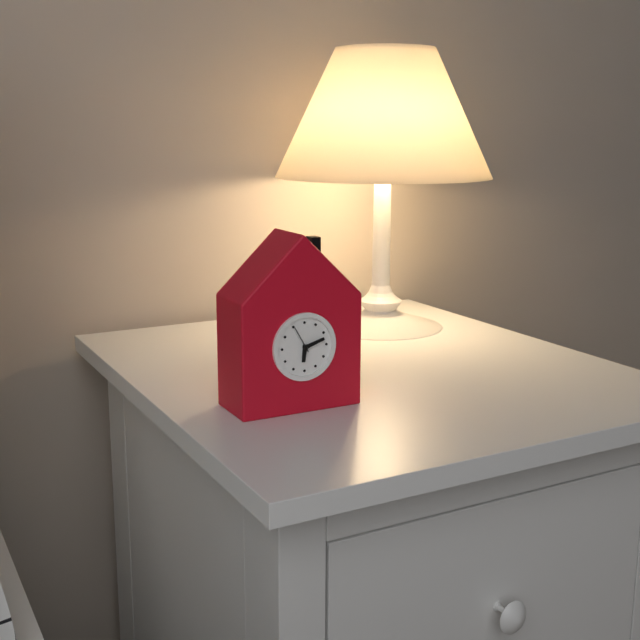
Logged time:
6h12
